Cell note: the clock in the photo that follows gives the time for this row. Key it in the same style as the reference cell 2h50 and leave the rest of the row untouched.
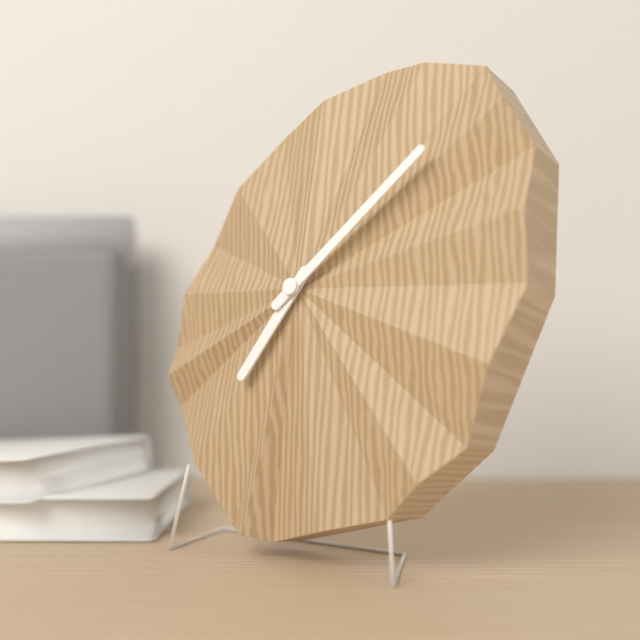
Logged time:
7h08
